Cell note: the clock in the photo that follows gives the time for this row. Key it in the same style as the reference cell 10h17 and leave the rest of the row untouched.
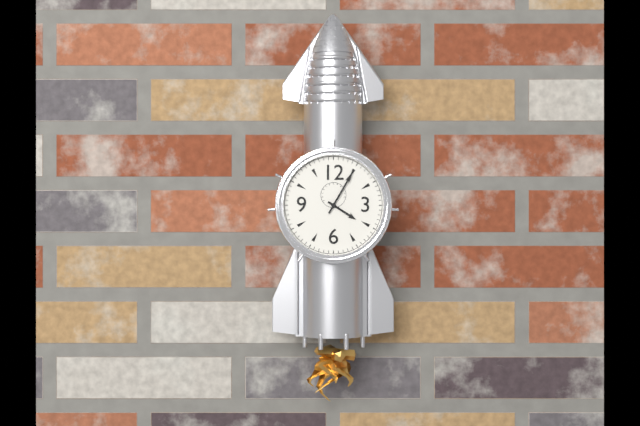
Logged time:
4h05
